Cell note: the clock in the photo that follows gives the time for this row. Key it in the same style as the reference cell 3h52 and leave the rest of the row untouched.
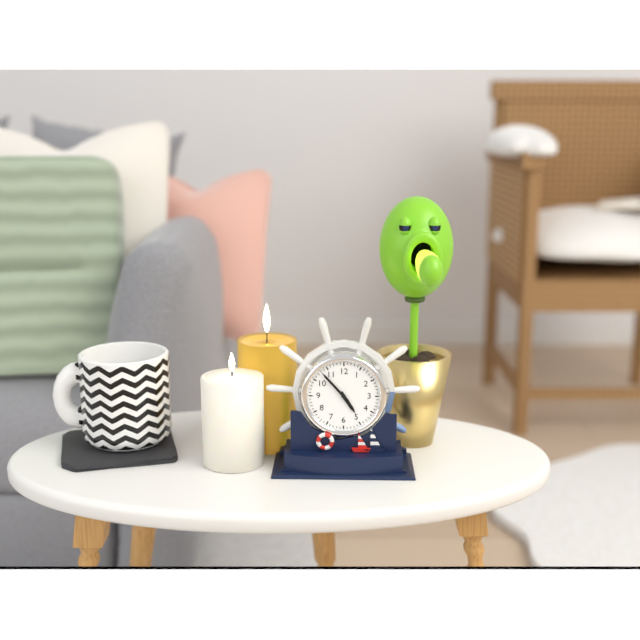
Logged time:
4h53
